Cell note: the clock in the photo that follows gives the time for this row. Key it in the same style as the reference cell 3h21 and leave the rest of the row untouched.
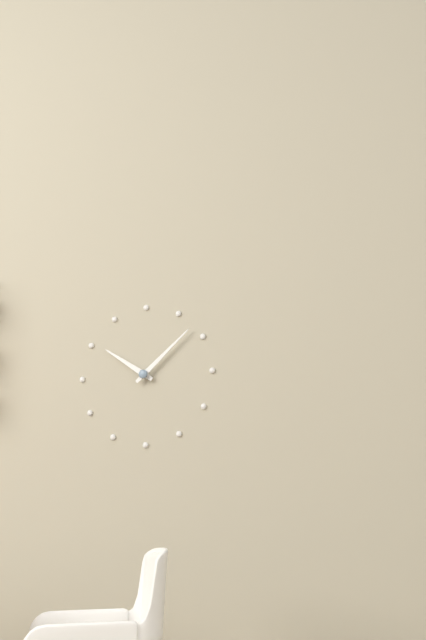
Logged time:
10h08
